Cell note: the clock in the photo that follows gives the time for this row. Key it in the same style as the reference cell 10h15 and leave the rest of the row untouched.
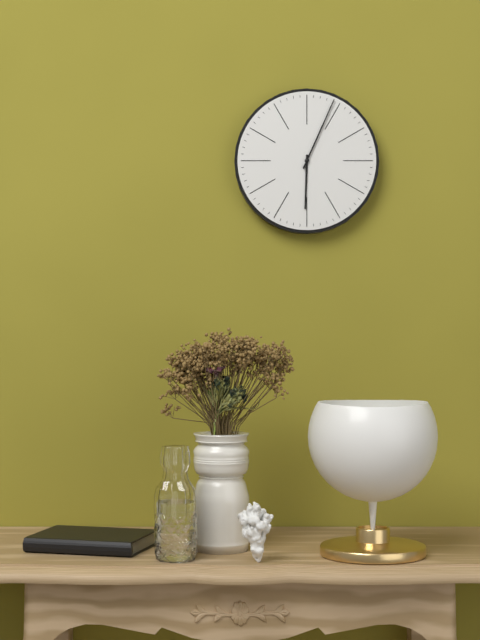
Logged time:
6h04
